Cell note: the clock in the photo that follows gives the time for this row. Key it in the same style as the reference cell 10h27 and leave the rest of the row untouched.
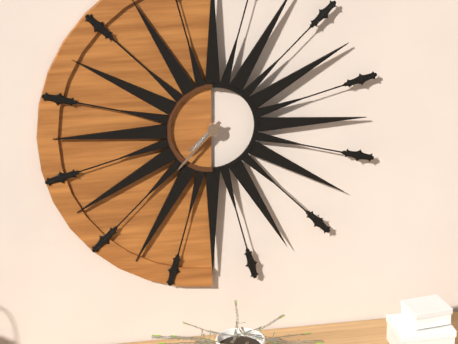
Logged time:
7h37
